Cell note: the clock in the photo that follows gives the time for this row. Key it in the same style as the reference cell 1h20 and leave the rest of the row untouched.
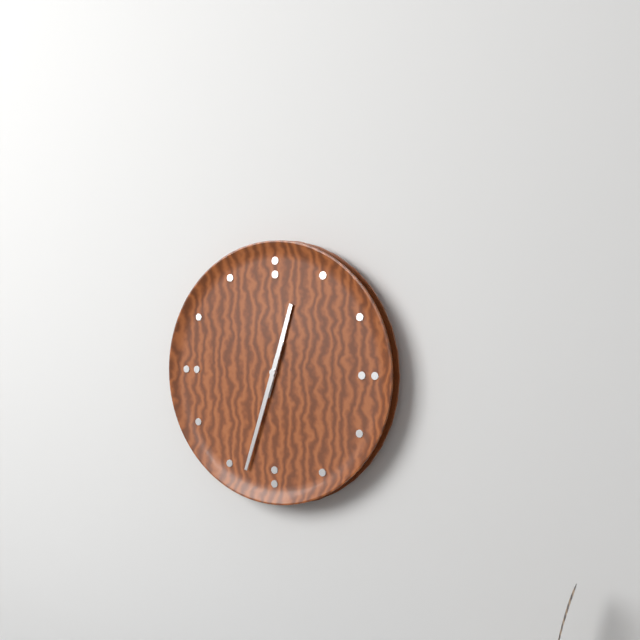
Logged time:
12h33
